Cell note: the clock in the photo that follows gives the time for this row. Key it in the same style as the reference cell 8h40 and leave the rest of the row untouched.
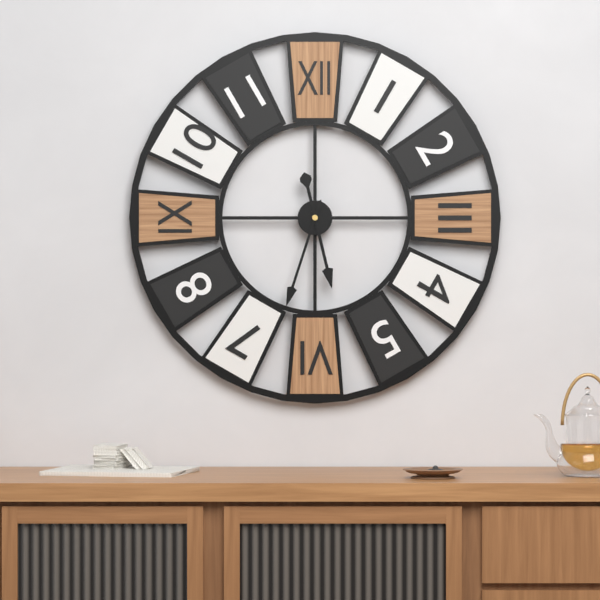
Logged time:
5h33
